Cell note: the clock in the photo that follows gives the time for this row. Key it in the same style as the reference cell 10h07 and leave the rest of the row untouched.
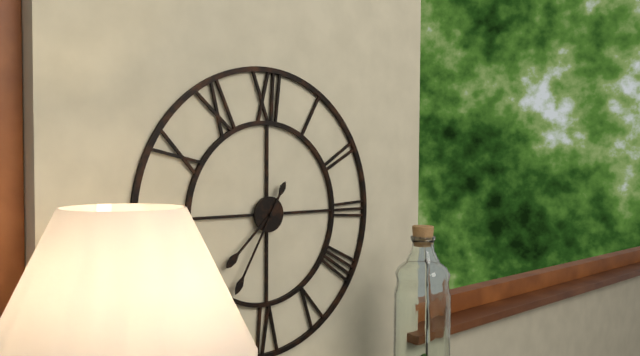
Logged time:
7h35
